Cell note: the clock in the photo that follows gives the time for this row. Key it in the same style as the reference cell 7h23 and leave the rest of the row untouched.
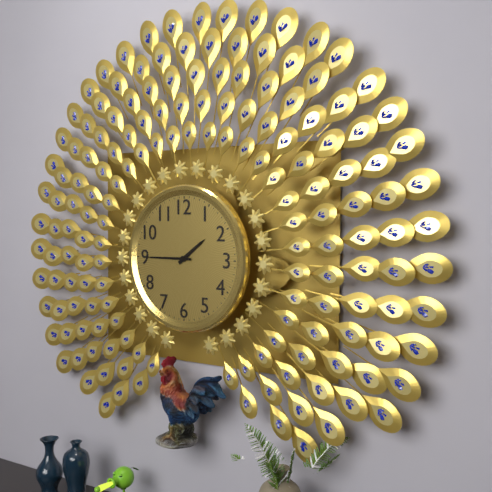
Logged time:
1h45
